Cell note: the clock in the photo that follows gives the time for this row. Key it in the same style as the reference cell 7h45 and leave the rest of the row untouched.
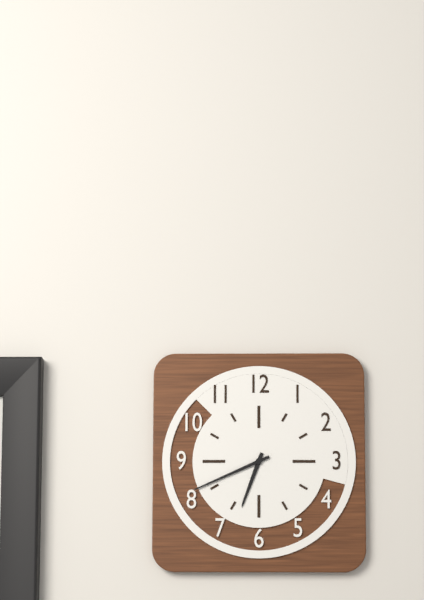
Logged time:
6h41
